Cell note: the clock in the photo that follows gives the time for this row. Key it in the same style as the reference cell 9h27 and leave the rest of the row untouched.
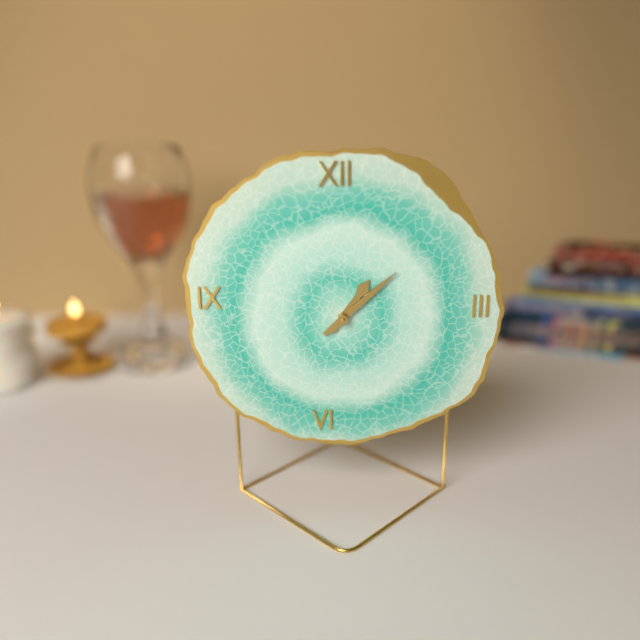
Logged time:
1h08
